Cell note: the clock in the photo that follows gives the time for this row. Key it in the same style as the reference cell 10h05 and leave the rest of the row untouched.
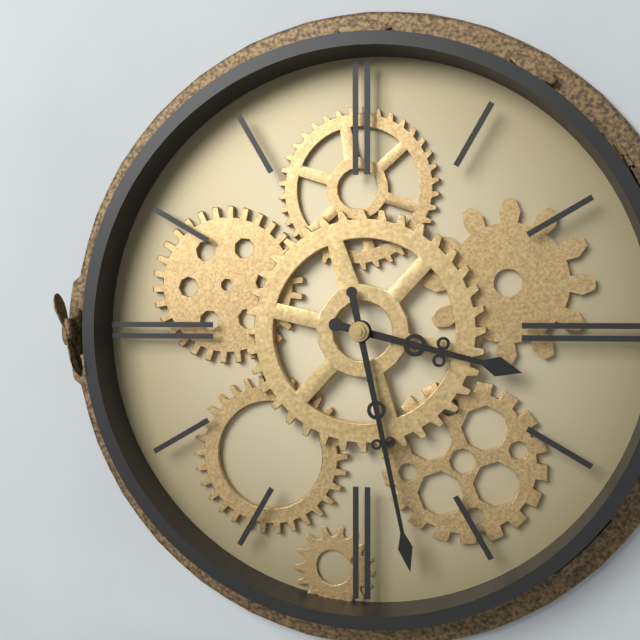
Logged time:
3h28
